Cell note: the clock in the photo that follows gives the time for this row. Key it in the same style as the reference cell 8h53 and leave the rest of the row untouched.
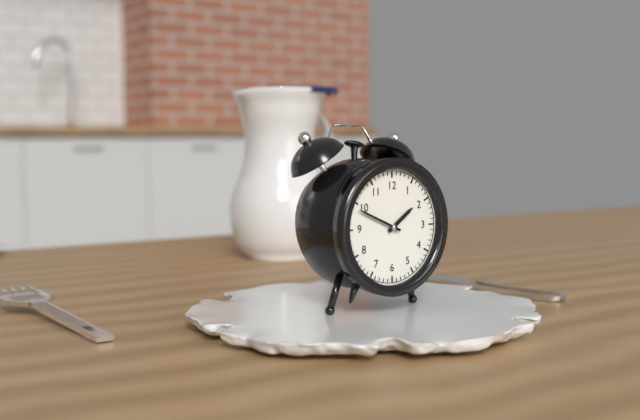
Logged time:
1h49
